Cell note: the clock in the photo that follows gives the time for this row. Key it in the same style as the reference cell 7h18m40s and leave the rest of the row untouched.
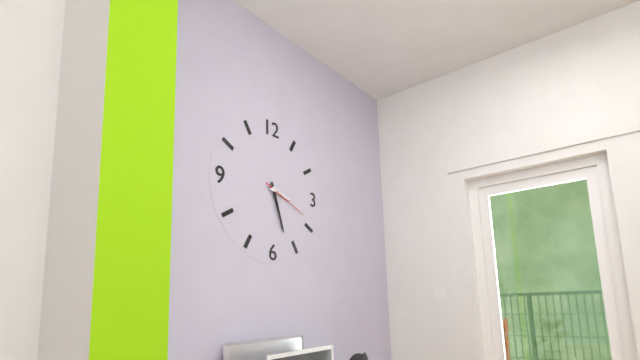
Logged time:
3h27m19s
